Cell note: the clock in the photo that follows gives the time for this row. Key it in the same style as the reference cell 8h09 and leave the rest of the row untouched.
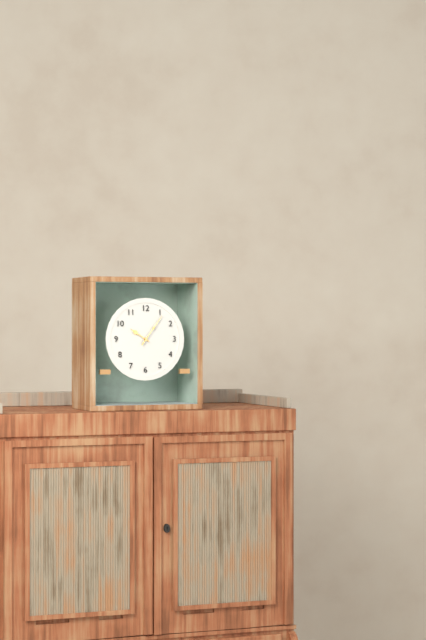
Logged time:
10h06
